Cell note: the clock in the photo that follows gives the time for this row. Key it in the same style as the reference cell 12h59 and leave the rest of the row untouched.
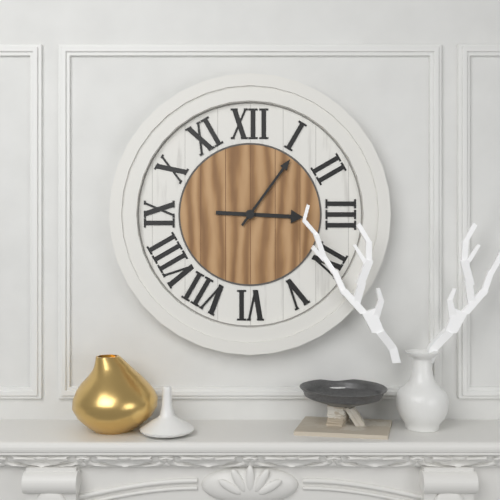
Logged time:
3h06
